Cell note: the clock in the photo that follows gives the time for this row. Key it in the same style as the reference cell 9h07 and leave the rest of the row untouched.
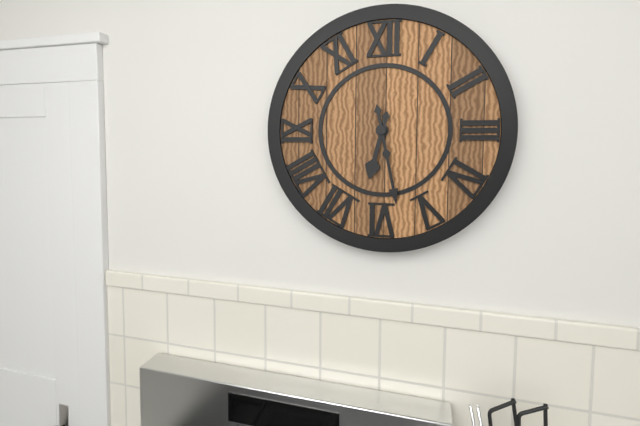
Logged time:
6h28
